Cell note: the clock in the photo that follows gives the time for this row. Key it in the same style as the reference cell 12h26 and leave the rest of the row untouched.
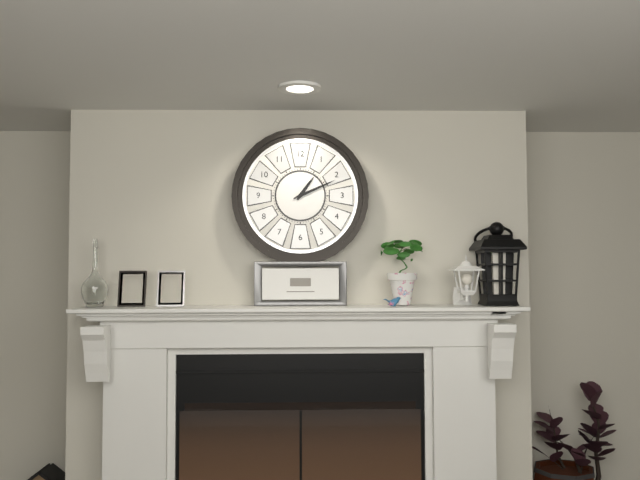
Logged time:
1h11
